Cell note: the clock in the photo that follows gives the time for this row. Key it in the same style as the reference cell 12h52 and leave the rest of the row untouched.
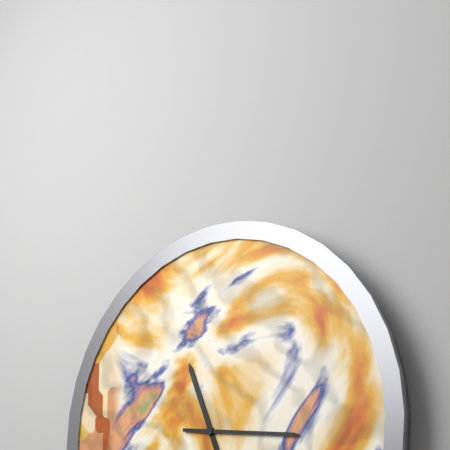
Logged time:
11h16
